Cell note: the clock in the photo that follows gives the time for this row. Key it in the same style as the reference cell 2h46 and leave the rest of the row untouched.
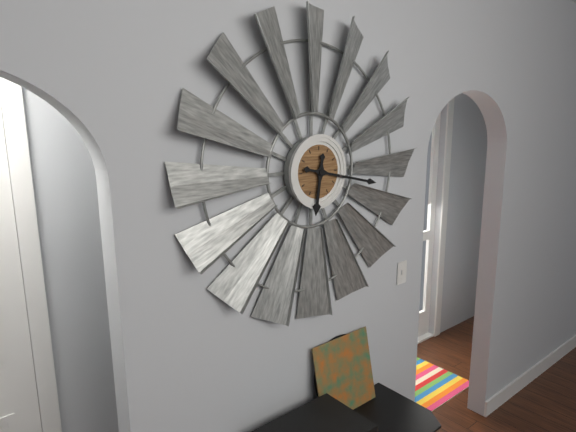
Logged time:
6h17
